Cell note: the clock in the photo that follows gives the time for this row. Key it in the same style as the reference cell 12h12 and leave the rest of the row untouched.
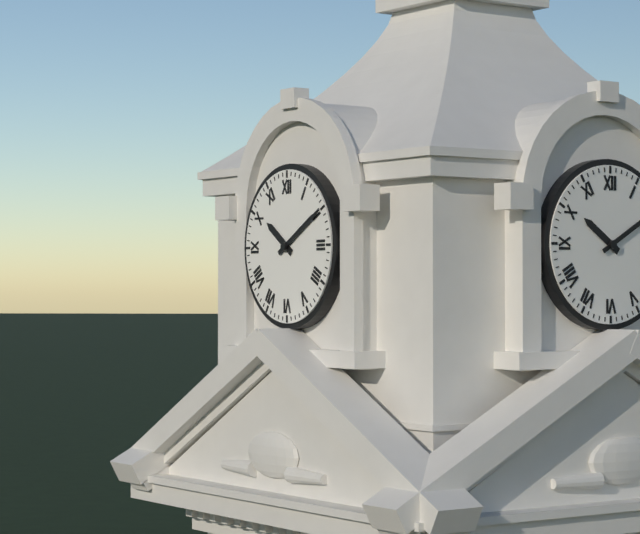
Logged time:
10h10
